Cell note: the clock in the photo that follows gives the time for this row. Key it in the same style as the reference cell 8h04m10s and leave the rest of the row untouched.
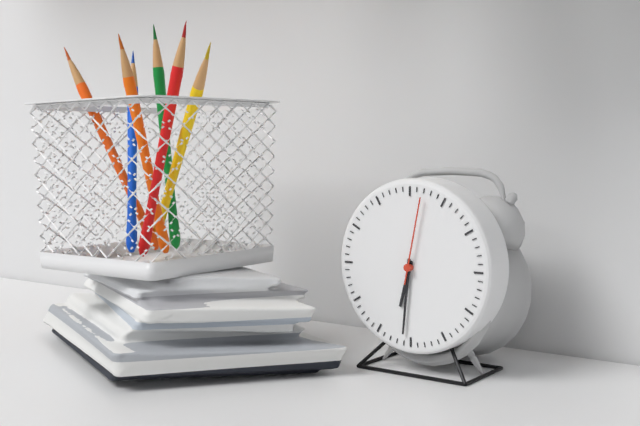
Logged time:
6h31m02s
